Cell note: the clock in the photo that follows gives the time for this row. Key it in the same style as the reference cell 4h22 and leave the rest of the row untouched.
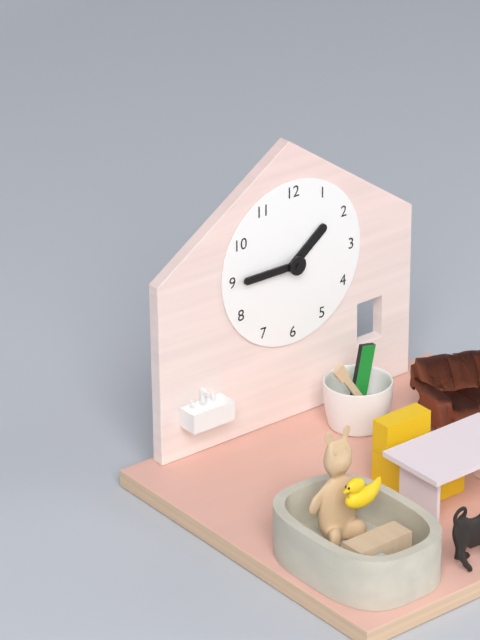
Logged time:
1h45
